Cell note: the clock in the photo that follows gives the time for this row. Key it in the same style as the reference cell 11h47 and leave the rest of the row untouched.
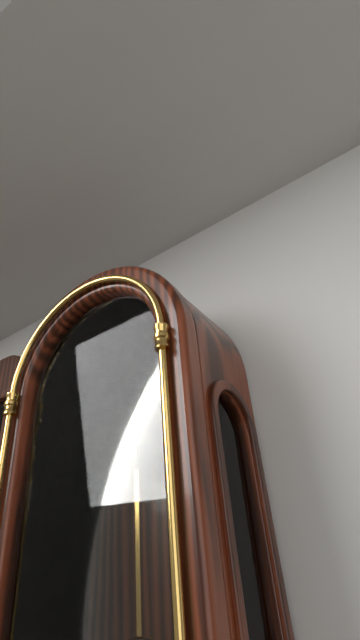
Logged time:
12h02
